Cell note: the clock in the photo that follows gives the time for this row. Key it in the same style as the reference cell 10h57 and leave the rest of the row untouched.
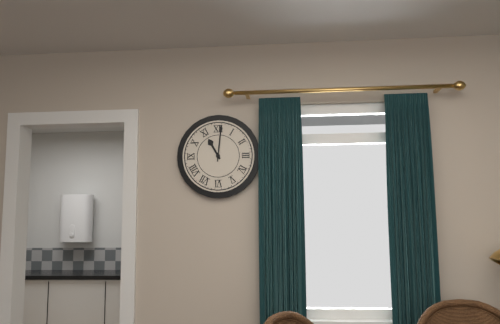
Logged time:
11h01
